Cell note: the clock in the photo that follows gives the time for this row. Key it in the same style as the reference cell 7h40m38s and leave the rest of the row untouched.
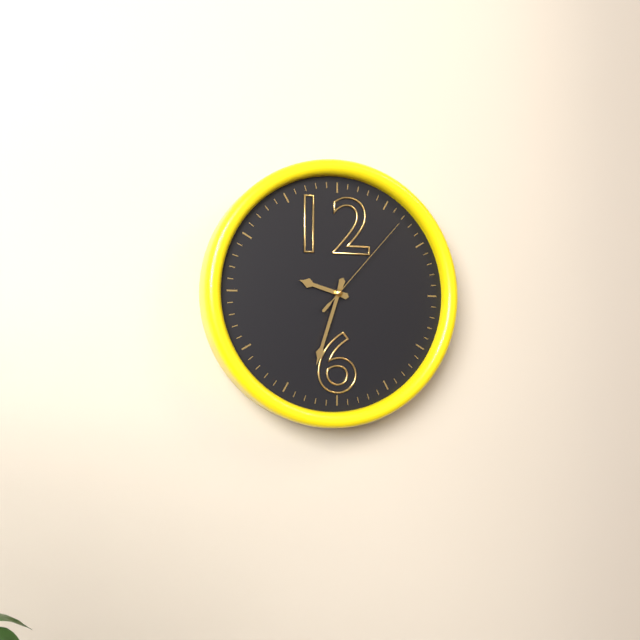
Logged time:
9h33m07s
